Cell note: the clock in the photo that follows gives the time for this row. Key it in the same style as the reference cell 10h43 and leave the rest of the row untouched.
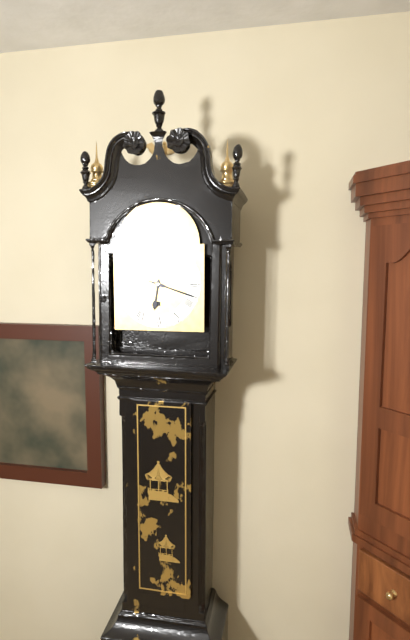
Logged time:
6h18
